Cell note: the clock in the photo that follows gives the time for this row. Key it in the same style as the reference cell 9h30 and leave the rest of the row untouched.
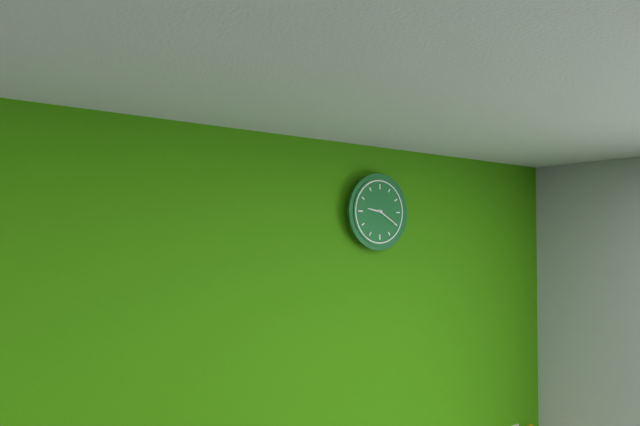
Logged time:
9h20
